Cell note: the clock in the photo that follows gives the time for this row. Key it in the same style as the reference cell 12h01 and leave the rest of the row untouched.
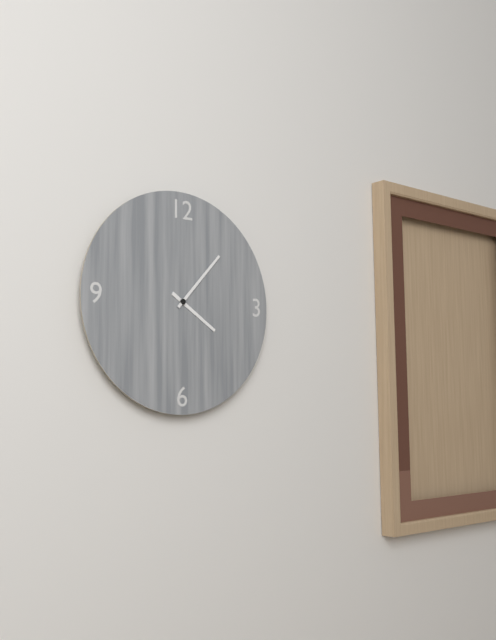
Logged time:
4h07
